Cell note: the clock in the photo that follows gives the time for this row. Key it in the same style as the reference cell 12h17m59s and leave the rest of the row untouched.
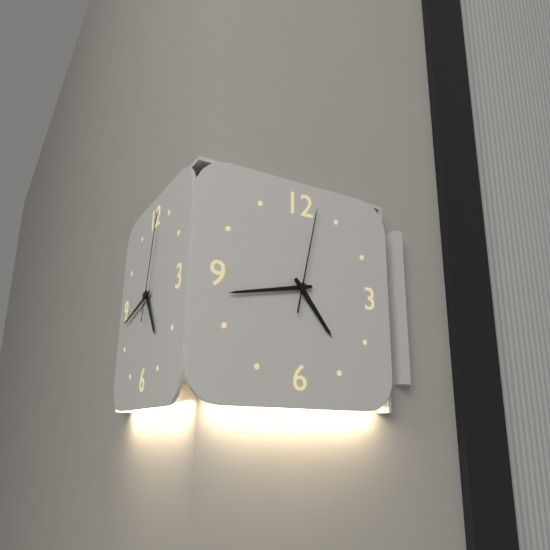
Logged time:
4h43m02s
